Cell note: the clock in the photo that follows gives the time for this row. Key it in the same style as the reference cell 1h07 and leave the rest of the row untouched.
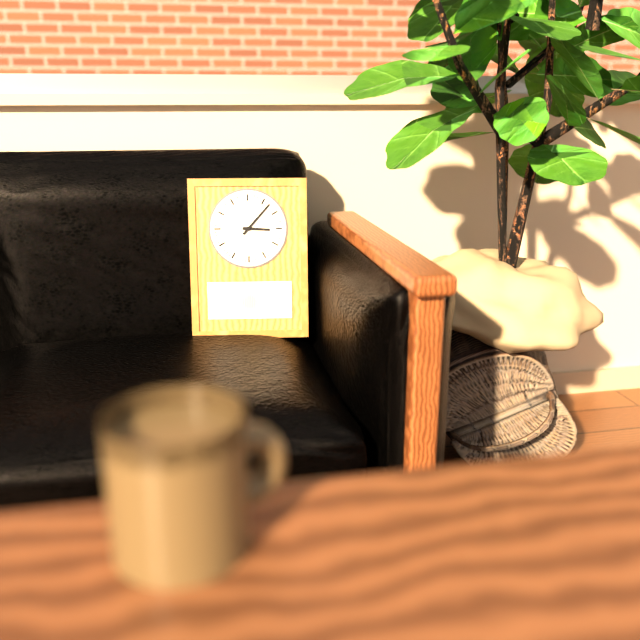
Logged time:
3h07
